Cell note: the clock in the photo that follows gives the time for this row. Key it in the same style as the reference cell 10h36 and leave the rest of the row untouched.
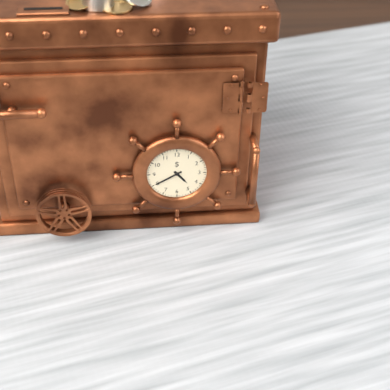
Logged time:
4h40
